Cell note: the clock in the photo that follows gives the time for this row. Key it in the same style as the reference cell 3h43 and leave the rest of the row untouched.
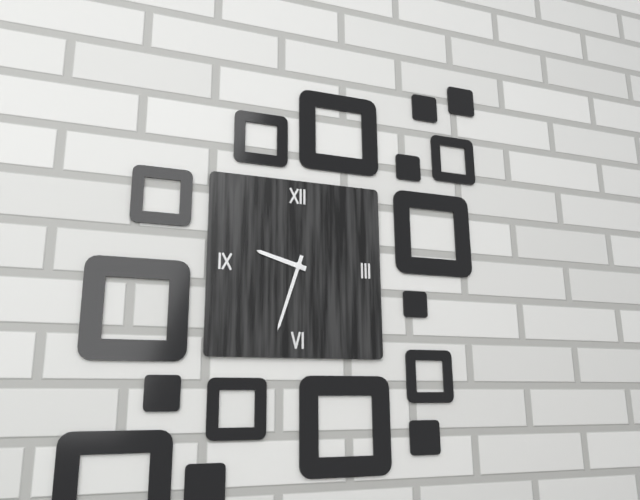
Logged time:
9h33
